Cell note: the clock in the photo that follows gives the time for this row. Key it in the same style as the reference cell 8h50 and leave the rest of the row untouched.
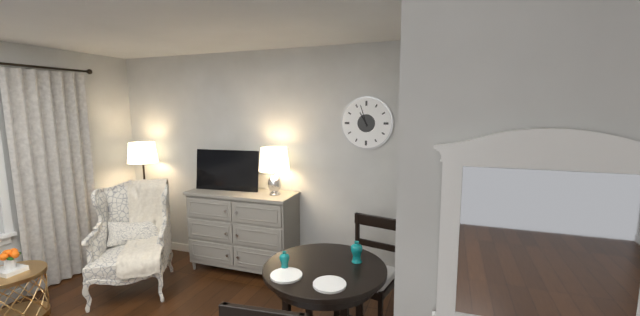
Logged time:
10h57
